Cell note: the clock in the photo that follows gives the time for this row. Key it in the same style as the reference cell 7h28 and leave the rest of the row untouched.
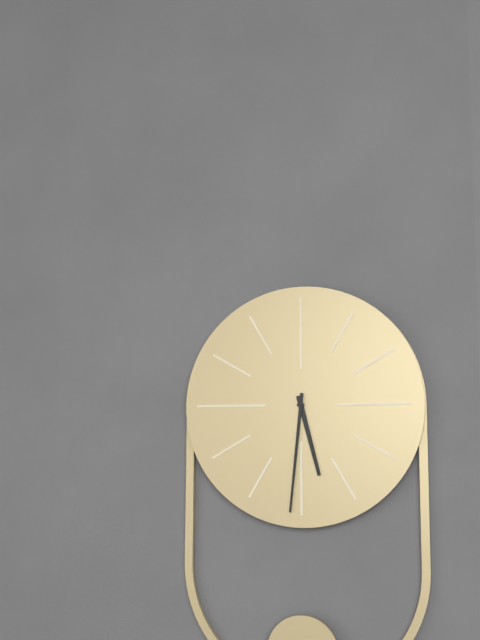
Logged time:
5h31
